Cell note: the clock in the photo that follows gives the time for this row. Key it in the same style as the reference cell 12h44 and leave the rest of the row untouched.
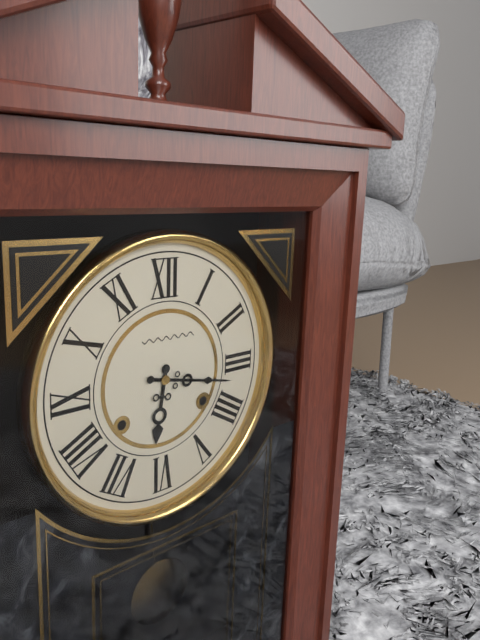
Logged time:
6h17
